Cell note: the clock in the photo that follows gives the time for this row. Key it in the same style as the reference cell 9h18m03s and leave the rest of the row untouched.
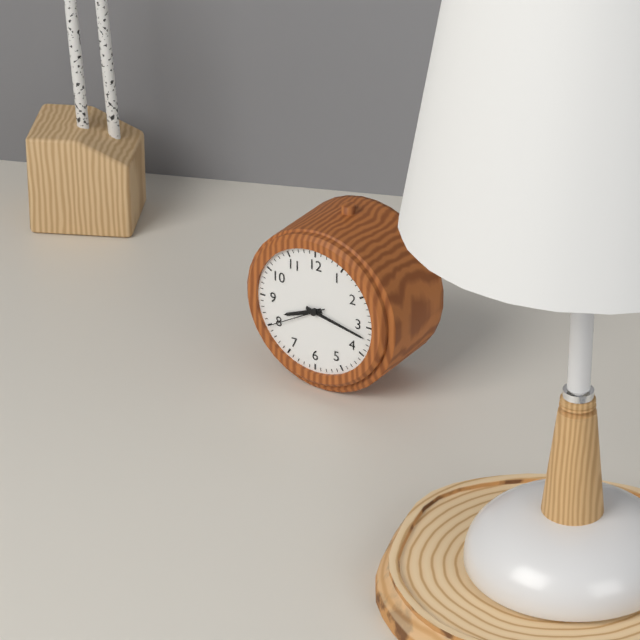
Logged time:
8h17m40s
